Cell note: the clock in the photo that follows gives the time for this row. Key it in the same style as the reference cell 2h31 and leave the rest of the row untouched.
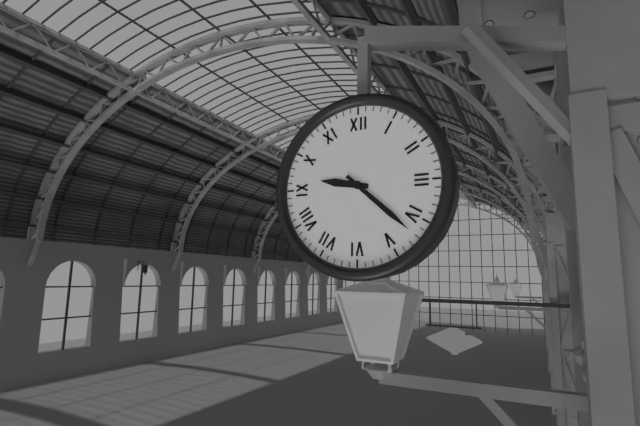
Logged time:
9h22
